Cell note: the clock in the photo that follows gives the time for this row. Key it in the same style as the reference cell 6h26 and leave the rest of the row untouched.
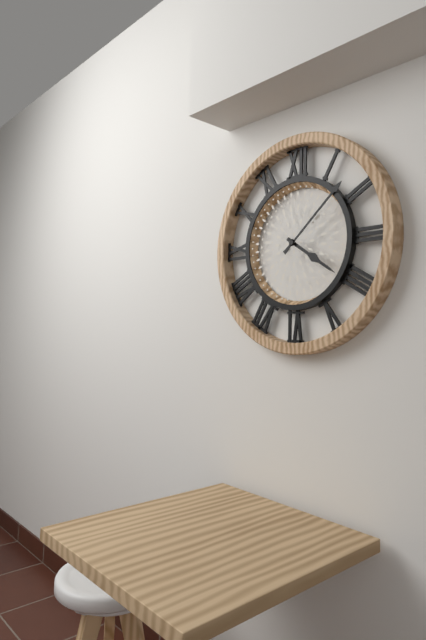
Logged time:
4h08
